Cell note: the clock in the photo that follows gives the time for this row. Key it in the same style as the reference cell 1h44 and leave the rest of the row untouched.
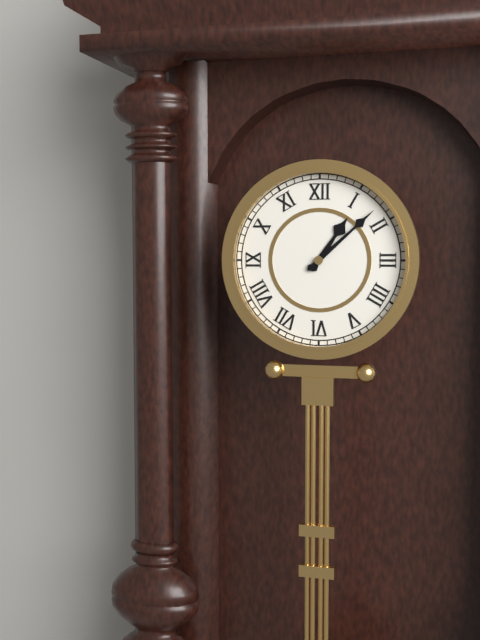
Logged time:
1h08
